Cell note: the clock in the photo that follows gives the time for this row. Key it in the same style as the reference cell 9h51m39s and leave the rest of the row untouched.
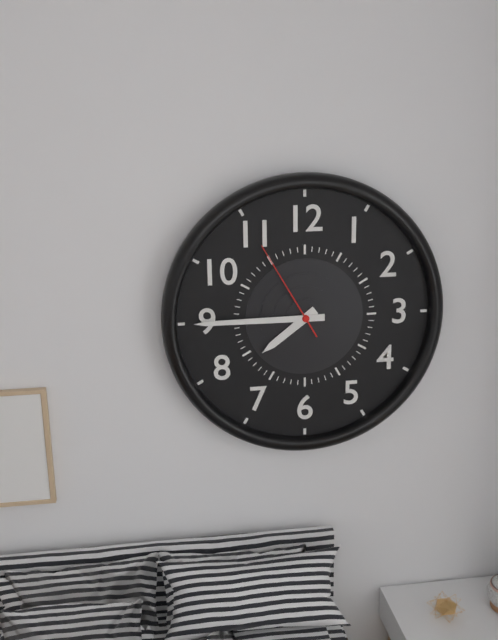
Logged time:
7h45m55s
